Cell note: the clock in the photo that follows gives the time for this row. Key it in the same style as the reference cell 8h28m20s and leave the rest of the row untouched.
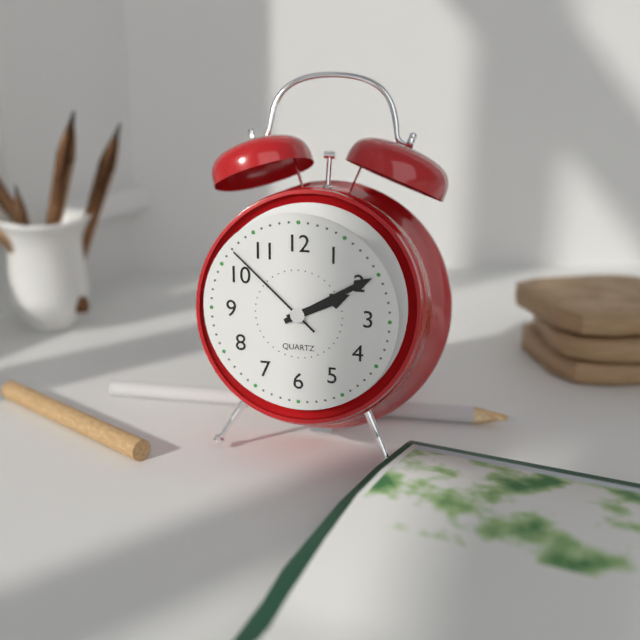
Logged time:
2h10m52s
